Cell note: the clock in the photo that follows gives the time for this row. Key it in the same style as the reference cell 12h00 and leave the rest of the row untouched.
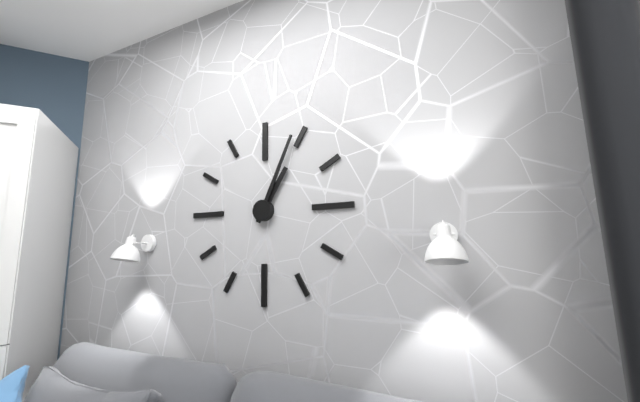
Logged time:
1h04
